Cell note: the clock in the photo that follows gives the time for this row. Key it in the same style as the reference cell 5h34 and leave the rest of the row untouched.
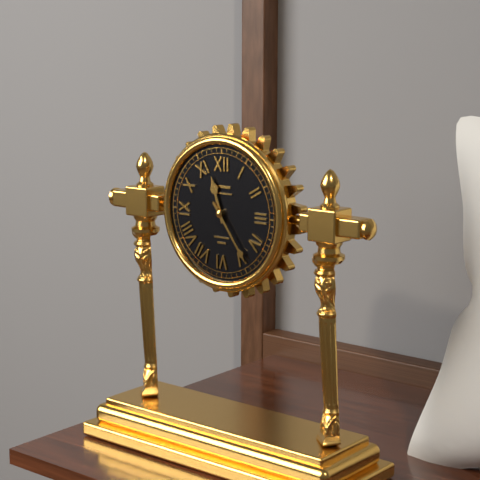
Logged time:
11h24
